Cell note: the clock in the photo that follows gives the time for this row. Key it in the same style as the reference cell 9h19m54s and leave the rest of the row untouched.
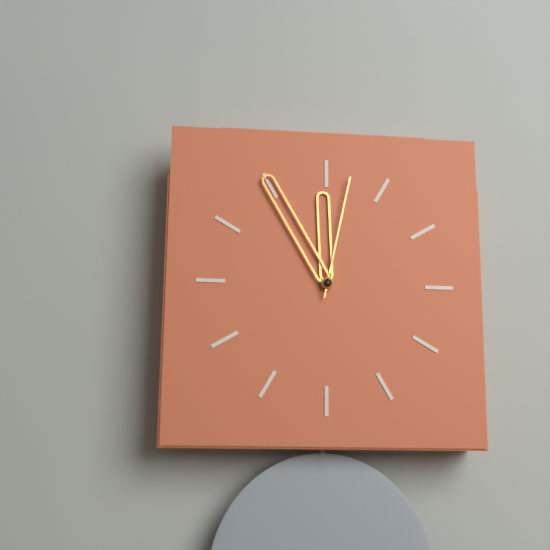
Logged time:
11h55m02s
